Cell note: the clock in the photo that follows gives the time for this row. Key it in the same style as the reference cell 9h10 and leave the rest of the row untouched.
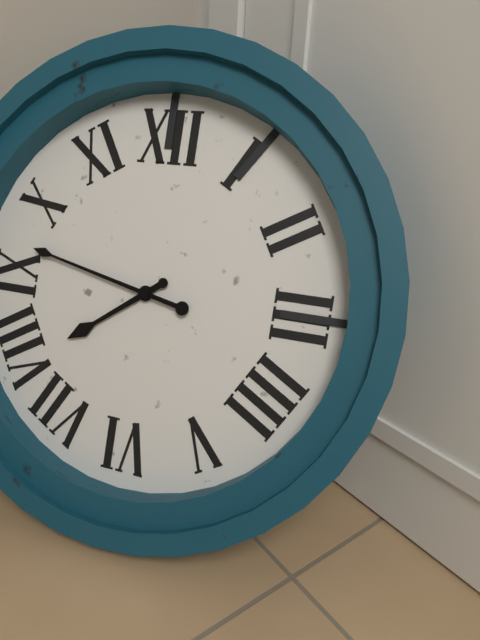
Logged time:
7h47
